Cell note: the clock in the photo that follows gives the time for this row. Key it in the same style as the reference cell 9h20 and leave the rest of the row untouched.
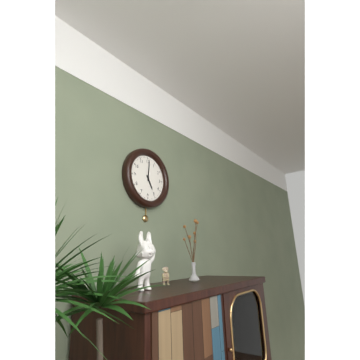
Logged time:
5h01
